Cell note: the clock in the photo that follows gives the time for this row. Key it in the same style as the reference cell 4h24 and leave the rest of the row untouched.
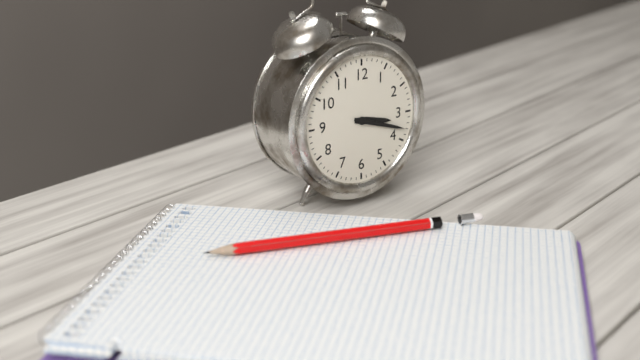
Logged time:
3h18
